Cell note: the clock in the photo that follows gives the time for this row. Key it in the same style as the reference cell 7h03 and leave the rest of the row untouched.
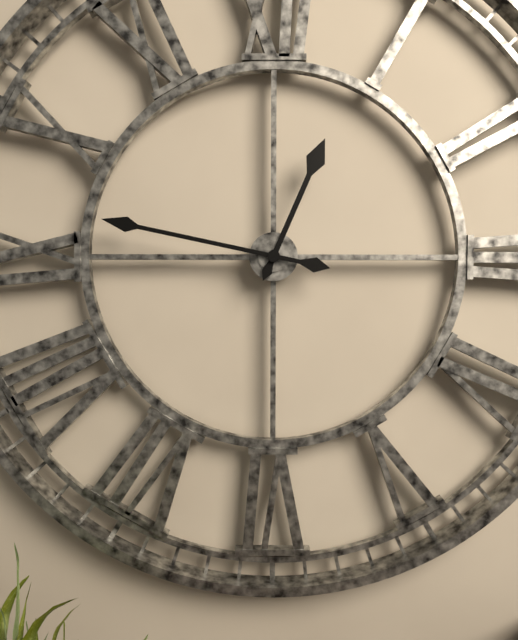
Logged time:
12h47
